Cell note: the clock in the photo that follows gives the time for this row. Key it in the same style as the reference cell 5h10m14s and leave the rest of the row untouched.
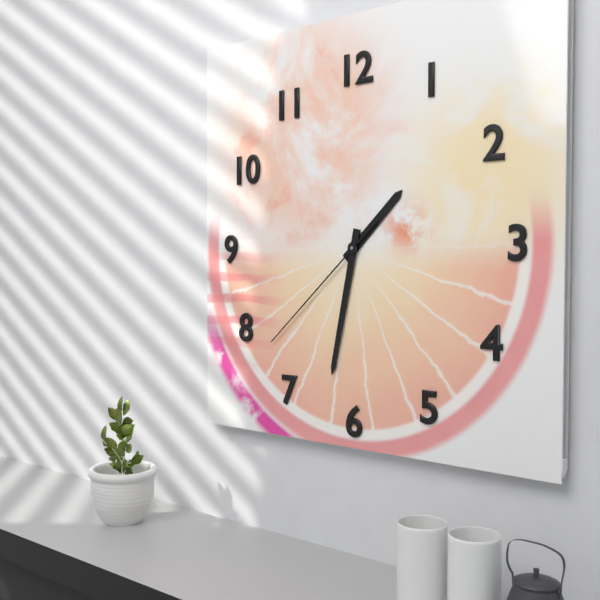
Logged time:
1h32m38s
